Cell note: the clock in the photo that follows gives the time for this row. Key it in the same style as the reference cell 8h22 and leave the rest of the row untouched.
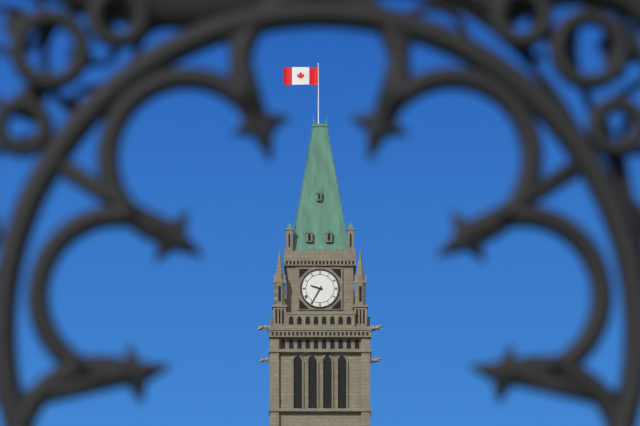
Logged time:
9h35
